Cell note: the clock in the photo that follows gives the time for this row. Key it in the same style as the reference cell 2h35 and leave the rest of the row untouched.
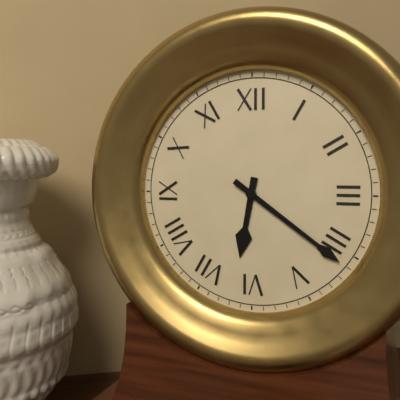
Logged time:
6h21
